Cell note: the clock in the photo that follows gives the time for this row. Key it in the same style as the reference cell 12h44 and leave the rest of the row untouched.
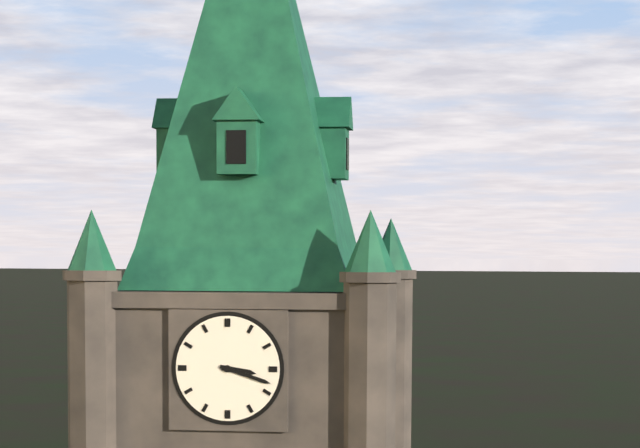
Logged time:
3h18
